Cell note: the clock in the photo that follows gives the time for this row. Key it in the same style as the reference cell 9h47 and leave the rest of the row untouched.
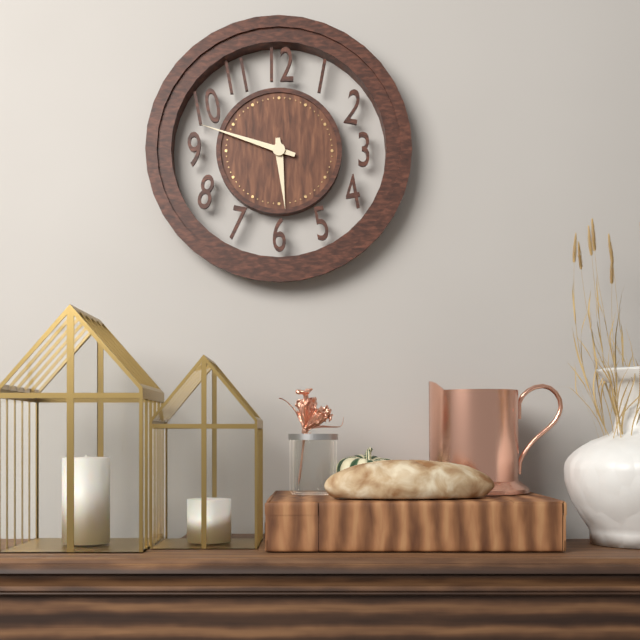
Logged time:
5h48
